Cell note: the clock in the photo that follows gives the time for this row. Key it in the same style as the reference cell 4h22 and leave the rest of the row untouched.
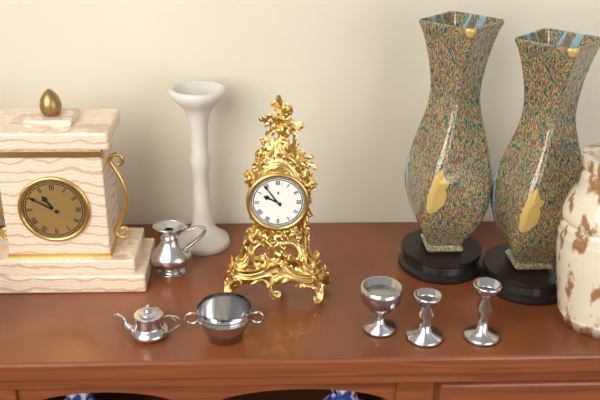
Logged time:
9h54
